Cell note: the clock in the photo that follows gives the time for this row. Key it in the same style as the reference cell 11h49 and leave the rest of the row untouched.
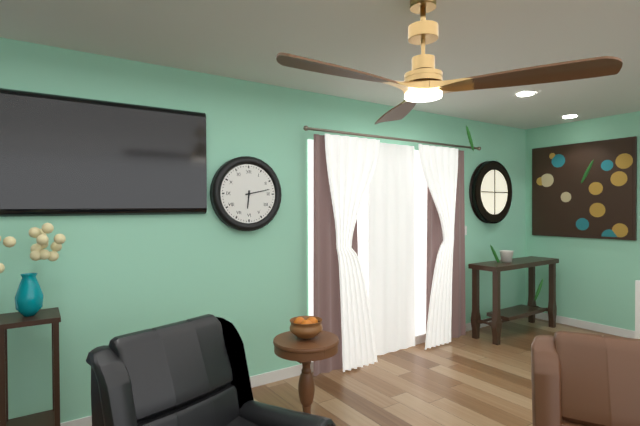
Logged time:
6h13
